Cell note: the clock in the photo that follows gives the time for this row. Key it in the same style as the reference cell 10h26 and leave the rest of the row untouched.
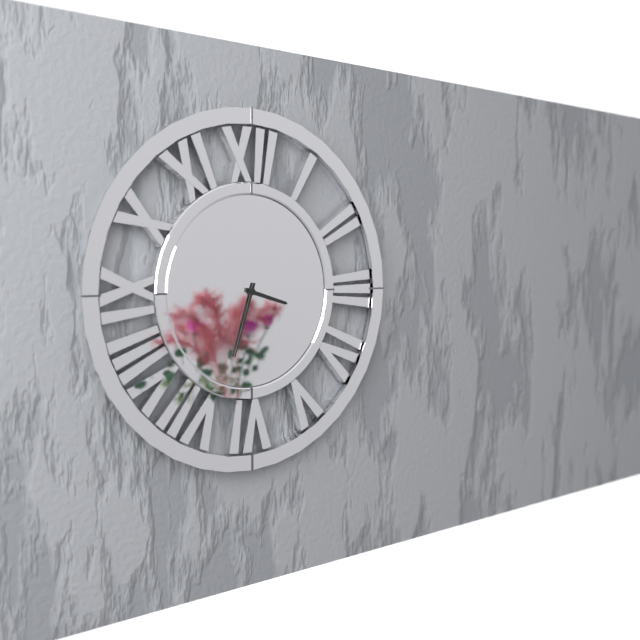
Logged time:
3h33
